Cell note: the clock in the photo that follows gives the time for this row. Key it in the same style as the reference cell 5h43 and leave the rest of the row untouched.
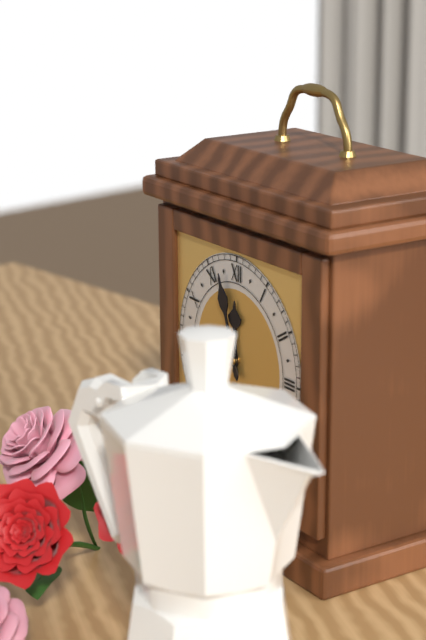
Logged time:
11h57
